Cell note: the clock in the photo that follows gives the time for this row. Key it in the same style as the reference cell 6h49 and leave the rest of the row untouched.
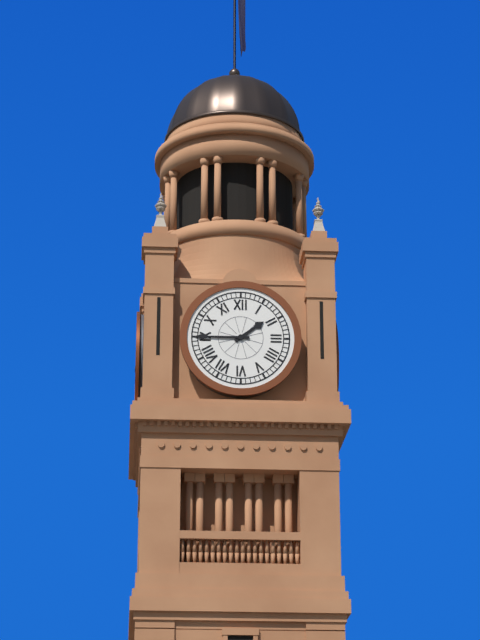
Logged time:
1h45
